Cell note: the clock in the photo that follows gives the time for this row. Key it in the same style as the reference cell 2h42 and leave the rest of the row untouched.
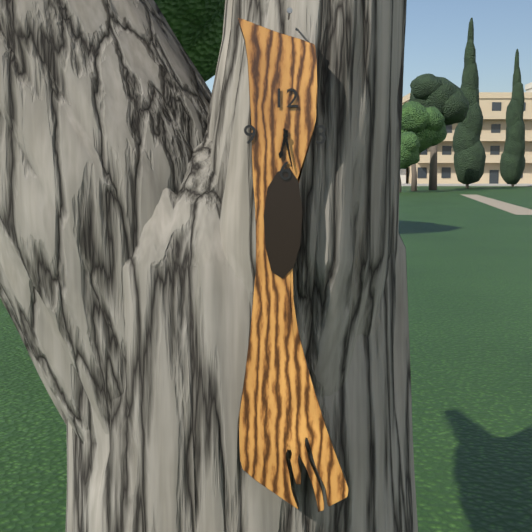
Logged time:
6h28
